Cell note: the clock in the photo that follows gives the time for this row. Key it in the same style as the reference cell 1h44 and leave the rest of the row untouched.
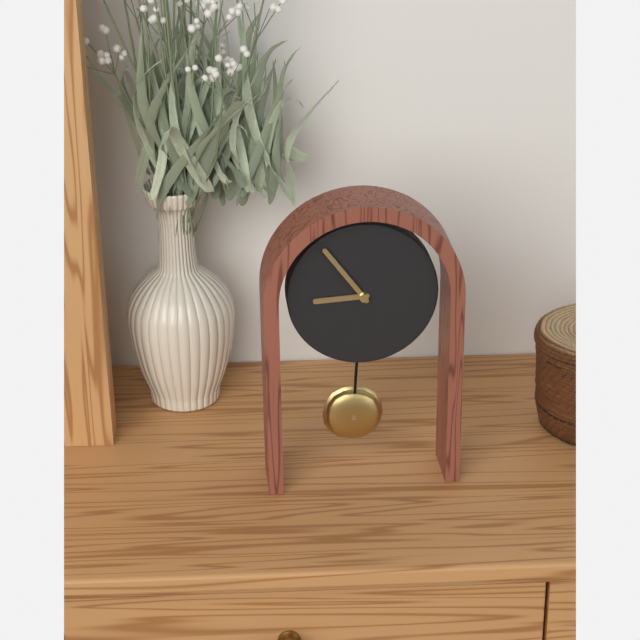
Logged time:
8h54
